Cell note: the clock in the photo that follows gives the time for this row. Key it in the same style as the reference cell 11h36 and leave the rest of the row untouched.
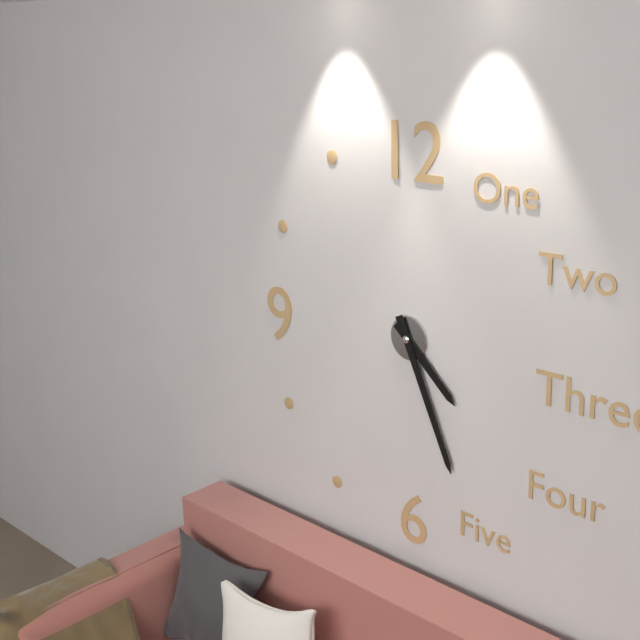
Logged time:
4h26
